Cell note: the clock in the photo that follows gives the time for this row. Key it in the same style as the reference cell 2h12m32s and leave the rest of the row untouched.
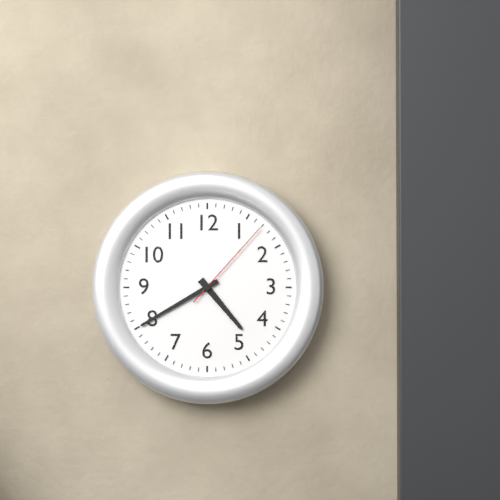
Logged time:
4h40m07s
